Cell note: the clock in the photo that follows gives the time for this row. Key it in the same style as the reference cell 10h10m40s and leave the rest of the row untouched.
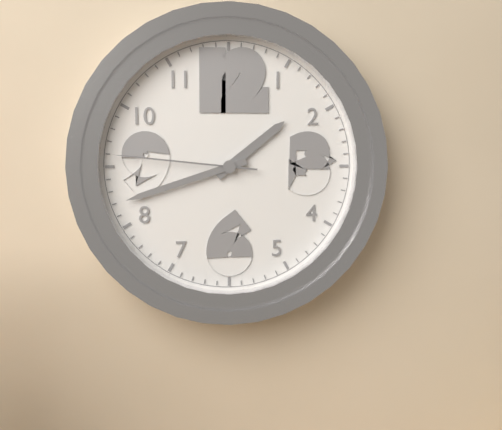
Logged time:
1h42m46s
